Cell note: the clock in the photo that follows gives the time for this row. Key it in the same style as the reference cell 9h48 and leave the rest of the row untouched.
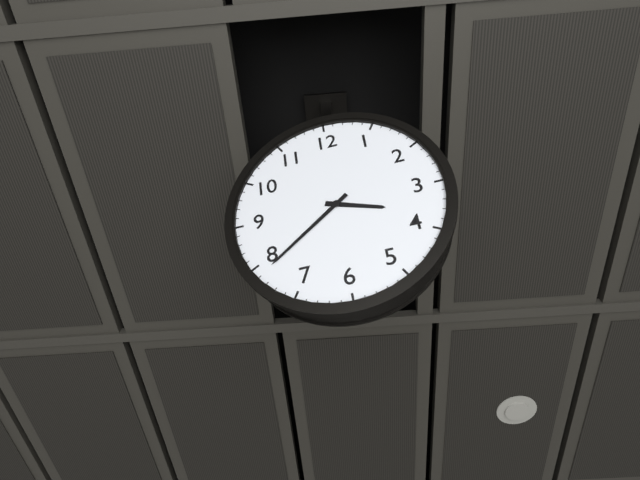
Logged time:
3h39
